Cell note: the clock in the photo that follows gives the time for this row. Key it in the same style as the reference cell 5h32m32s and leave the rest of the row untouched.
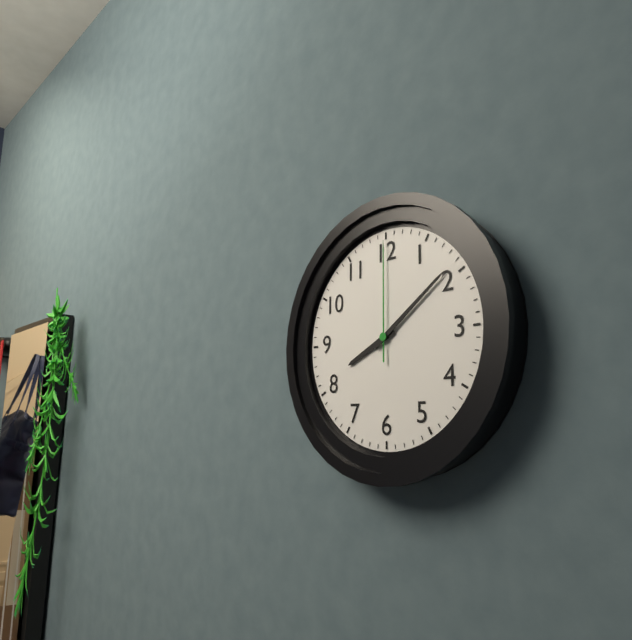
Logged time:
8h09m00s
